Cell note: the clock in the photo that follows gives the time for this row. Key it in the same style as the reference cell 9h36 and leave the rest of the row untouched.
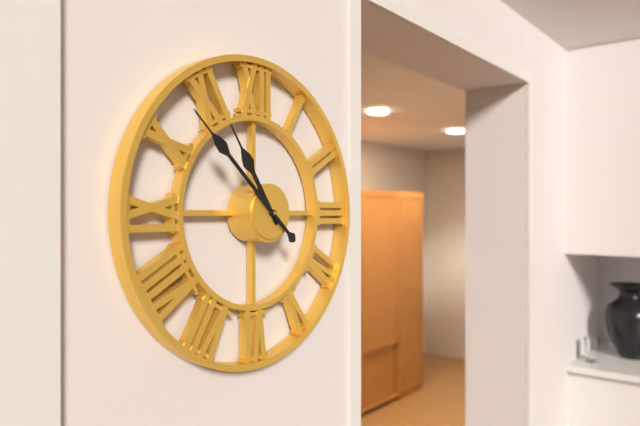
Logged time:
10h52
